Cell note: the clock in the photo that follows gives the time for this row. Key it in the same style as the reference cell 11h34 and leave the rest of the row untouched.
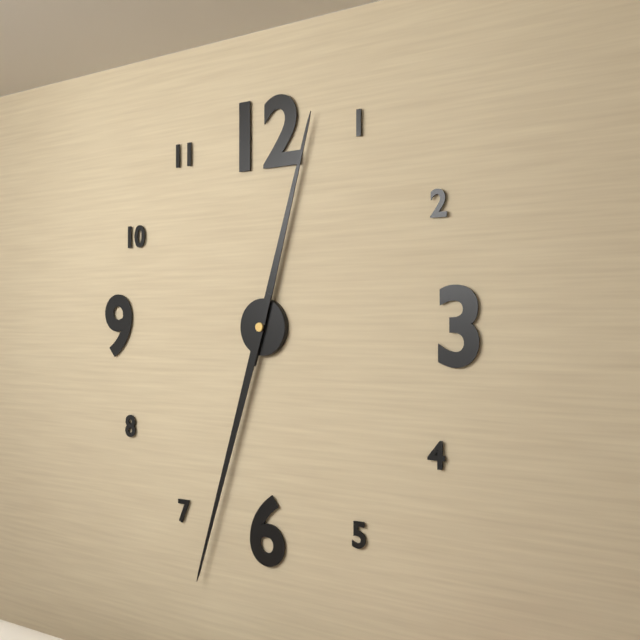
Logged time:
12h33
